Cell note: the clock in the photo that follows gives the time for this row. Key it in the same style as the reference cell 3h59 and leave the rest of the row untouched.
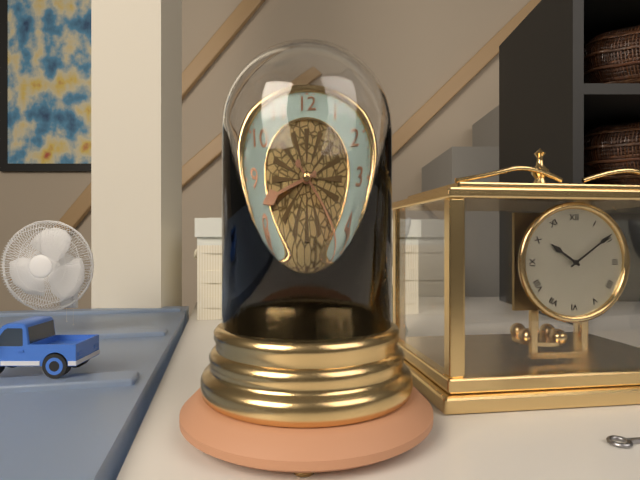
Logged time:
8h23
